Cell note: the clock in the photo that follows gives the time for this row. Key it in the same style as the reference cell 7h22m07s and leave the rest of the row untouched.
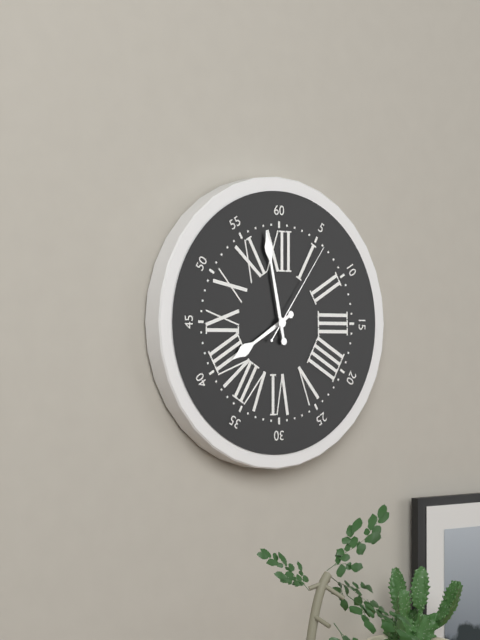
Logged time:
7h58m06s
